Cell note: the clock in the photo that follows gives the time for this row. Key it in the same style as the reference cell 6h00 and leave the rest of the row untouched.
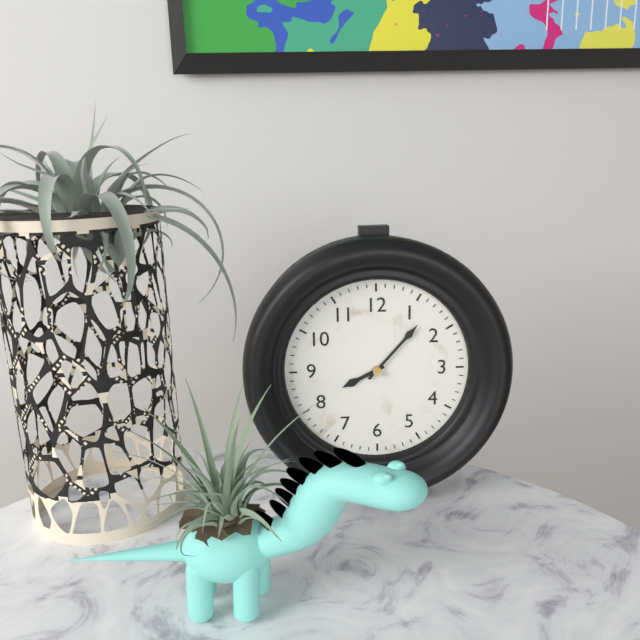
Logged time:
8h07
